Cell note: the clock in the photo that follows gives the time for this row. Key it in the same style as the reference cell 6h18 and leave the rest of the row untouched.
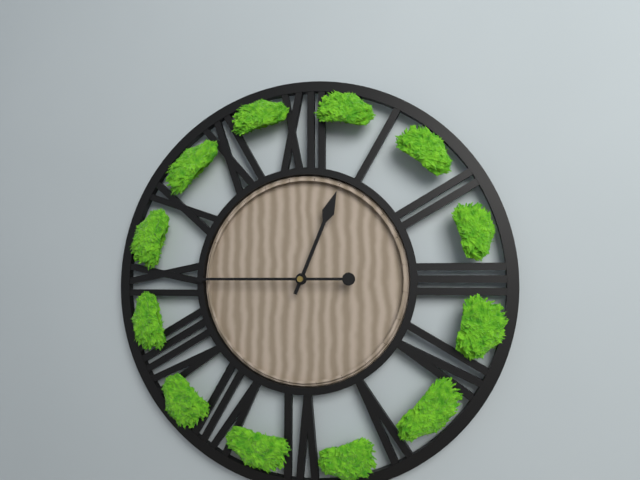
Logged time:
12h45
